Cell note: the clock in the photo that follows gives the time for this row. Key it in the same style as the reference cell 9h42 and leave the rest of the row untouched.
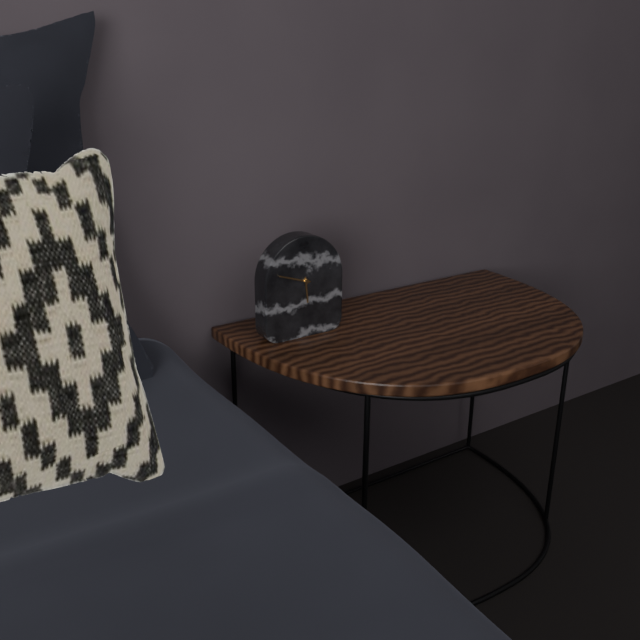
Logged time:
5h48
